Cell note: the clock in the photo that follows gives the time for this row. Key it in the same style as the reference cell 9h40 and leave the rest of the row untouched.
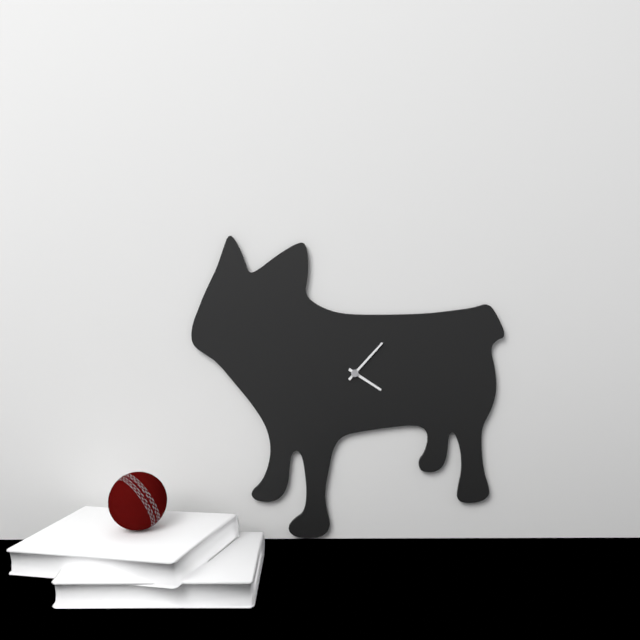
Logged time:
4h07
